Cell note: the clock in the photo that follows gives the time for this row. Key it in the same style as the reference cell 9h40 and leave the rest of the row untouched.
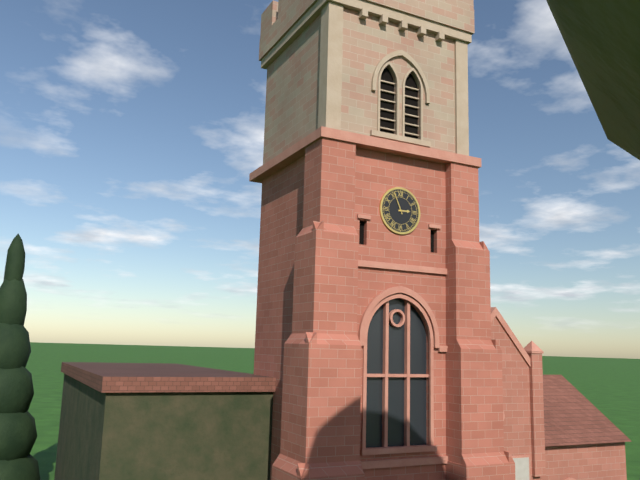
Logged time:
2h56
